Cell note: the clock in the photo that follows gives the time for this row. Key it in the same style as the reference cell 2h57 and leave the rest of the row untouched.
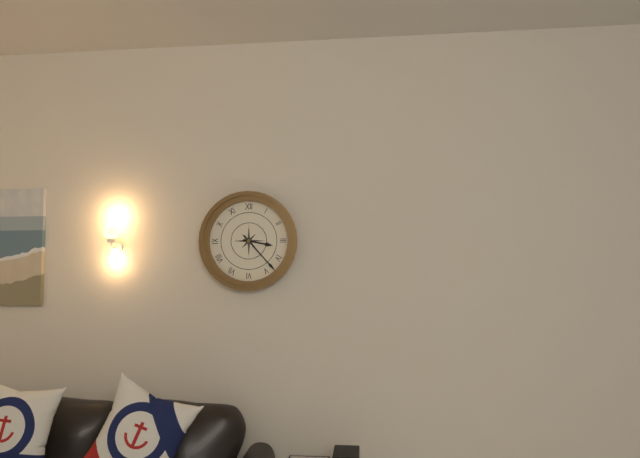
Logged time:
3h23
